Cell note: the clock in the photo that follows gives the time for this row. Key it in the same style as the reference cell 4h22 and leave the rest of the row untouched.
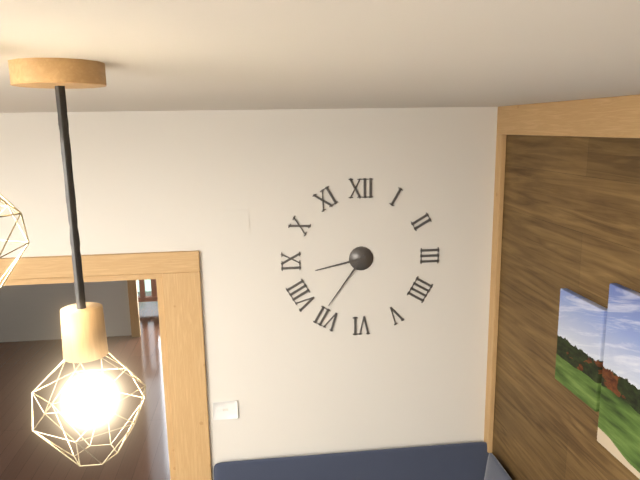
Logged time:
8h36
